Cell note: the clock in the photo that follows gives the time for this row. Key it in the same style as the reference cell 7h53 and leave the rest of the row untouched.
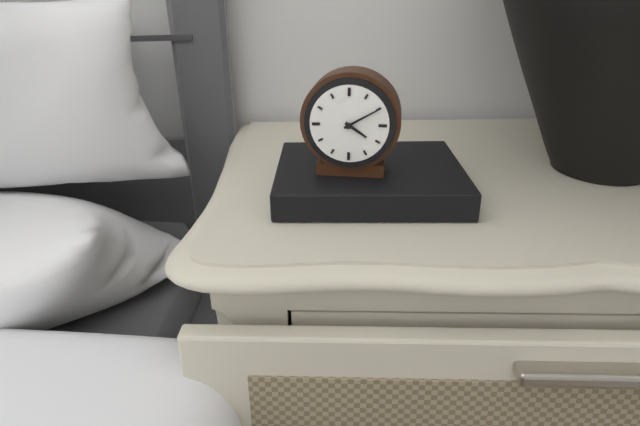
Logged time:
4h10
